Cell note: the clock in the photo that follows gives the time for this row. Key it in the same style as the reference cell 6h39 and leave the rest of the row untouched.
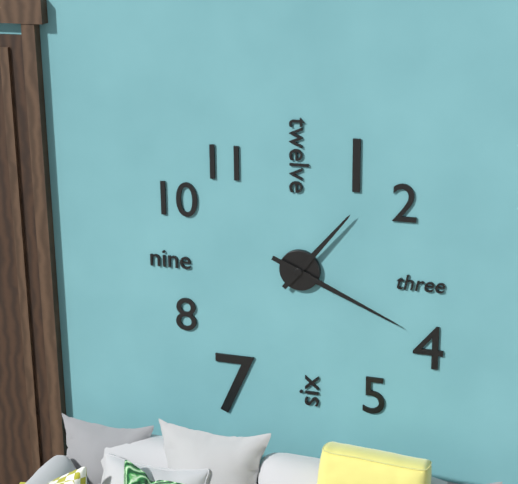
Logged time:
1h19
